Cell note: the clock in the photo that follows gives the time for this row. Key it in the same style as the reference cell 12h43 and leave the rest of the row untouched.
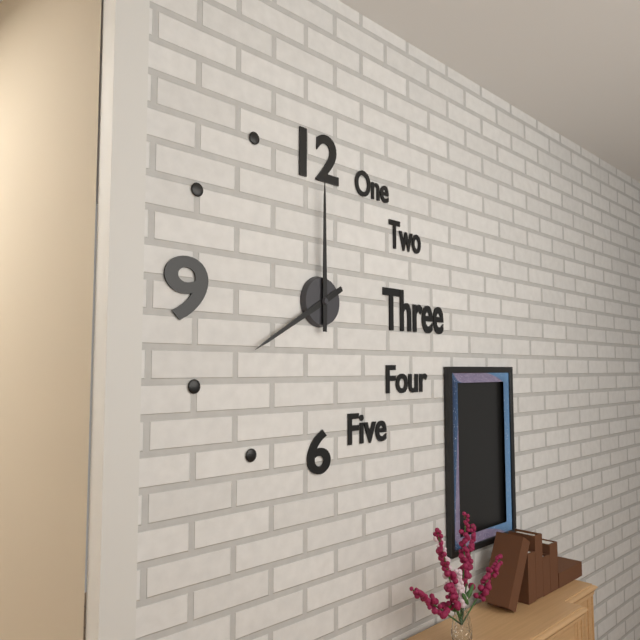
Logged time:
8h00
